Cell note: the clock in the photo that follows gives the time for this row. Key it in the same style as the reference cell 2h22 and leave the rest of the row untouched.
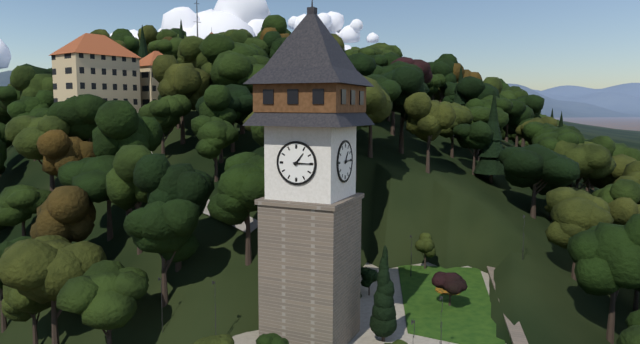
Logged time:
1h15
